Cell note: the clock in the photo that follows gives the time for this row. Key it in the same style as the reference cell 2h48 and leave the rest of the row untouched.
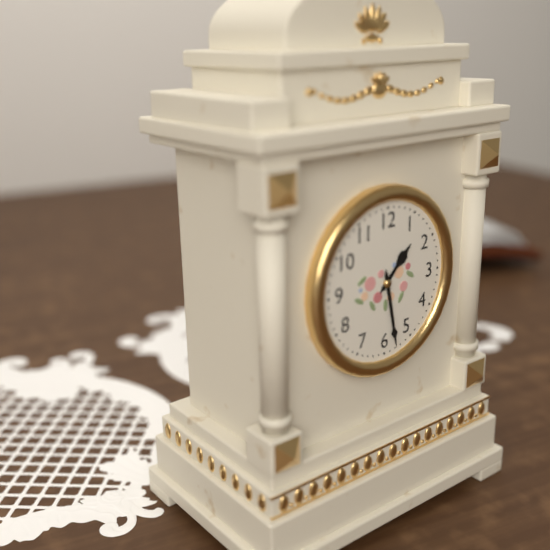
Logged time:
1h28
